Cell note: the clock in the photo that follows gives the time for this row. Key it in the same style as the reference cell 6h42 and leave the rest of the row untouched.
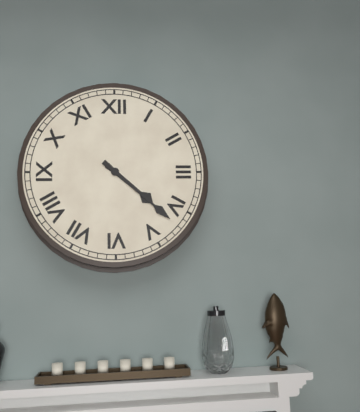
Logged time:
4h22
